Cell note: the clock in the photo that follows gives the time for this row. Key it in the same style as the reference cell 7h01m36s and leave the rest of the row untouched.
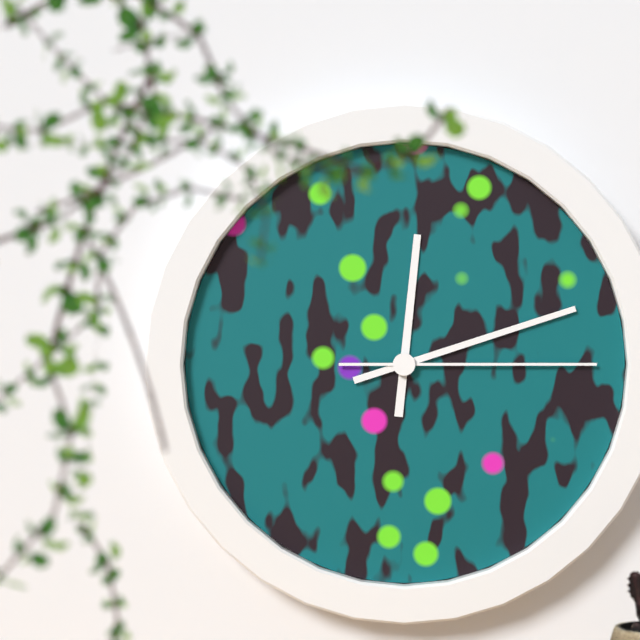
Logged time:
12h12m15s
